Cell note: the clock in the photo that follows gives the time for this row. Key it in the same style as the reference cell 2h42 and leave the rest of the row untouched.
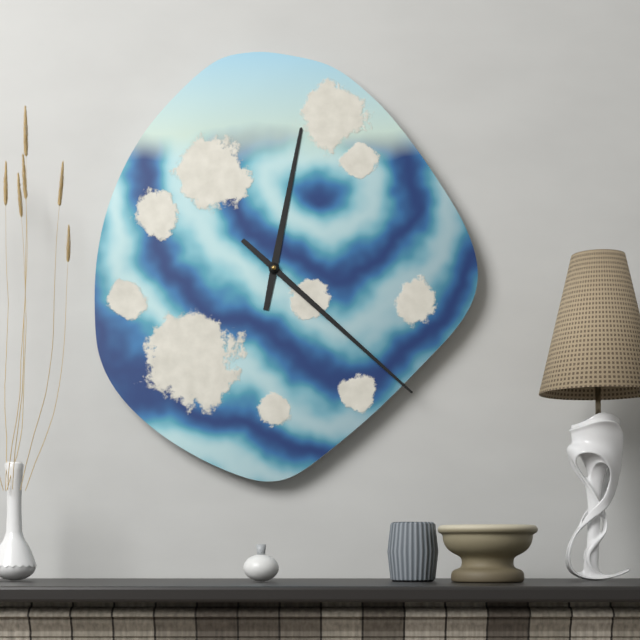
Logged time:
12h22
